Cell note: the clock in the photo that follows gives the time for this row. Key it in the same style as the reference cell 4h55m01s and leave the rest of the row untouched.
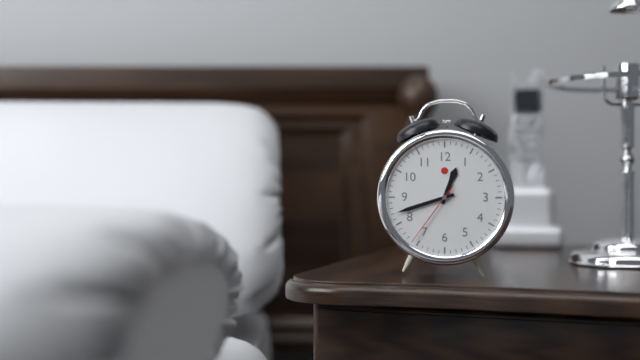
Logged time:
12h42m36s
